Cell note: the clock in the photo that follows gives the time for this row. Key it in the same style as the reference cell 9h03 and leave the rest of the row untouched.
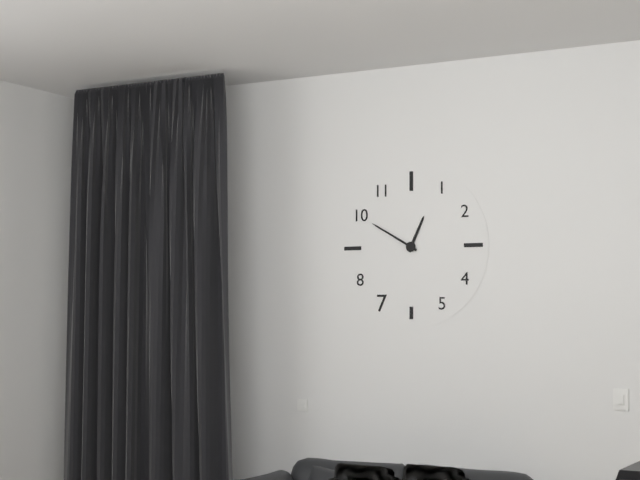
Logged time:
12h50
